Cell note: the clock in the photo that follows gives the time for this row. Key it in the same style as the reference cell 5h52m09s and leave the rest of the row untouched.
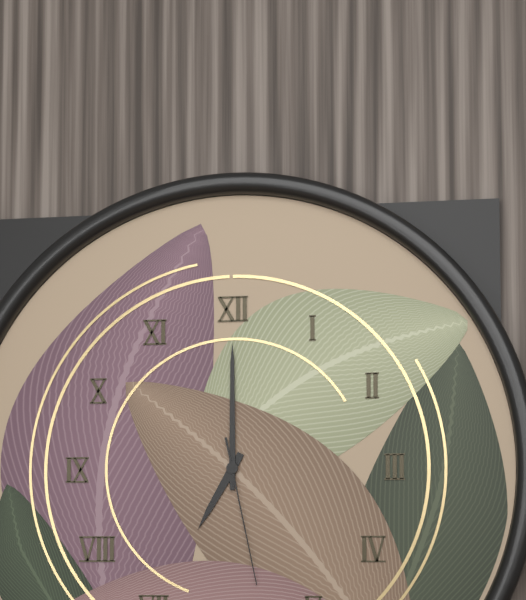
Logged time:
7h00m28s
